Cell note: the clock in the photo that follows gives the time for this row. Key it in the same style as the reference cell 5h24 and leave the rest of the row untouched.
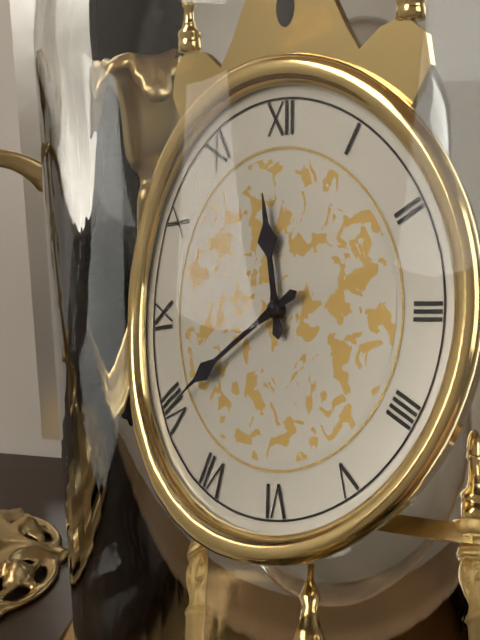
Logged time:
11h40
